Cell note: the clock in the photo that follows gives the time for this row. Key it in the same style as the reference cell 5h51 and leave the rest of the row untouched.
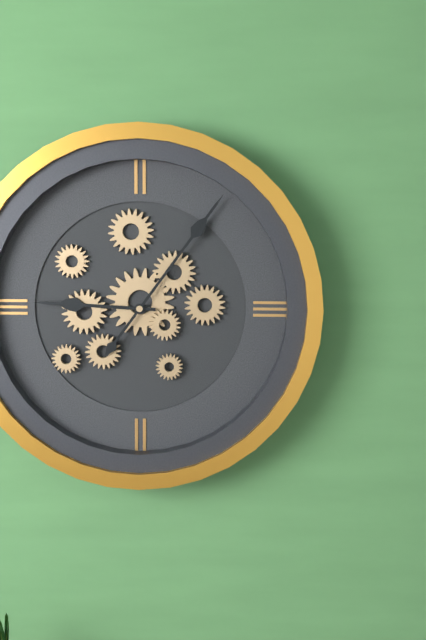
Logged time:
9h06
